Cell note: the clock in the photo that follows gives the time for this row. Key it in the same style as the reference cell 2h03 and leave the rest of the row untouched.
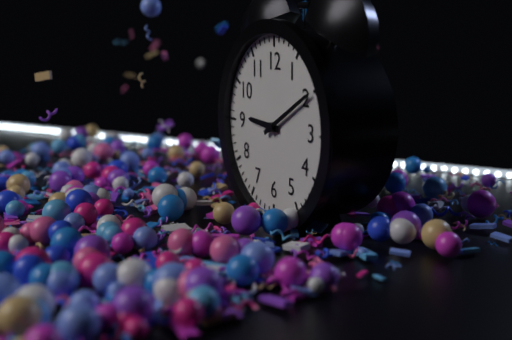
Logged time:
9h10
